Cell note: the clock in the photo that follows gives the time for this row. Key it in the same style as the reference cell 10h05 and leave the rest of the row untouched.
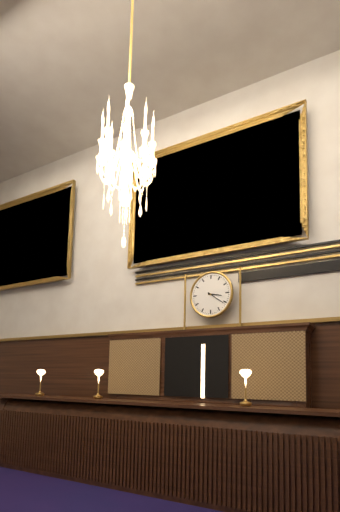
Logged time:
3h21
